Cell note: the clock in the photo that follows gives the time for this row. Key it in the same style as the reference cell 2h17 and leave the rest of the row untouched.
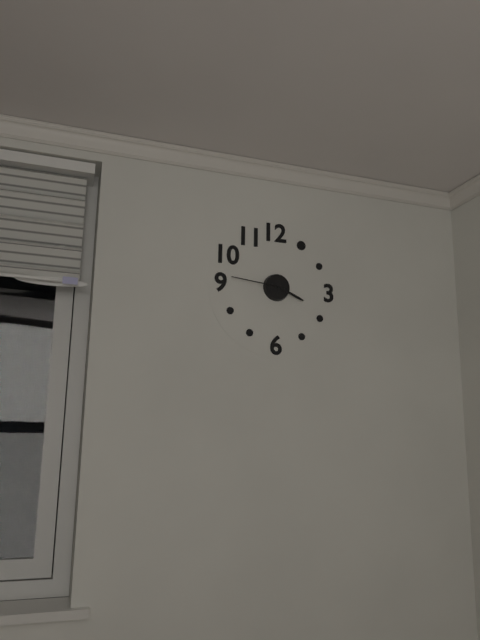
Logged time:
3h46
